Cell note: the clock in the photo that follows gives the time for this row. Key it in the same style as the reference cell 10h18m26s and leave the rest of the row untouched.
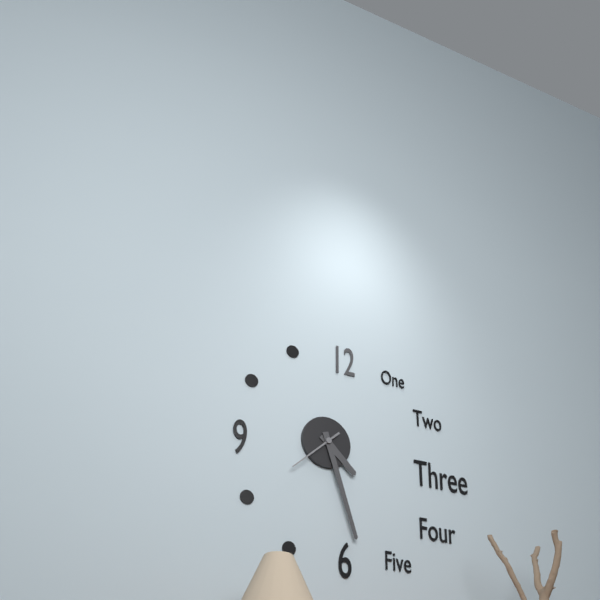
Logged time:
4h27m38s
